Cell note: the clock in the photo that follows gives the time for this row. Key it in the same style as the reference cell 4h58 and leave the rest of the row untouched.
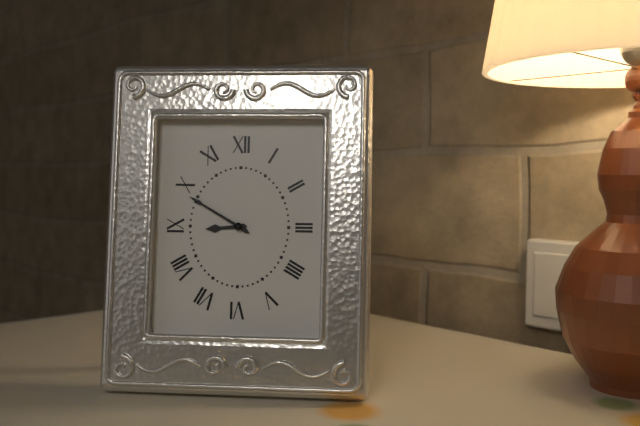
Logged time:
8h50
